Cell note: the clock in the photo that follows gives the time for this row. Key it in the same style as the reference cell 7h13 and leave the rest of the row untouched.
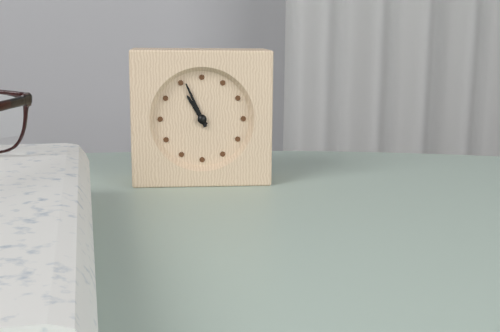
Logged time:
10h56
